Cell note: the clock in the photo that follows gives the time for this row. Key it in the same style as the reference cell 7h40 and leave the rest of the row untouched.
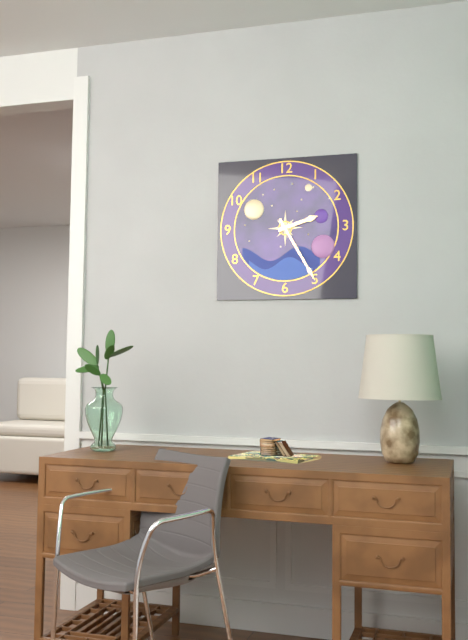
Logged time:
2h25
